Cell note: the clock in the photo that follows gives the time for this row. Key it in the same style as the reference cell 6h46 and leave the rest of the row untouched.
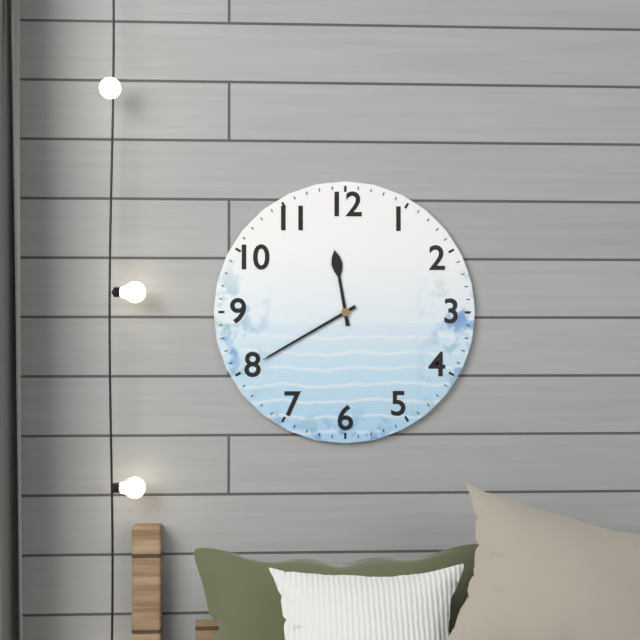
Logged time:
11h40
